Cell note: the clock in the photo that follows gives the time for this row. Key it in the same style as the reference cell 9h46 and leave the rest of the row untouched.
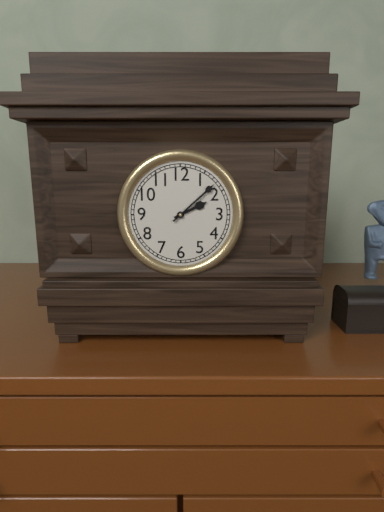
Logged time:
2h08
